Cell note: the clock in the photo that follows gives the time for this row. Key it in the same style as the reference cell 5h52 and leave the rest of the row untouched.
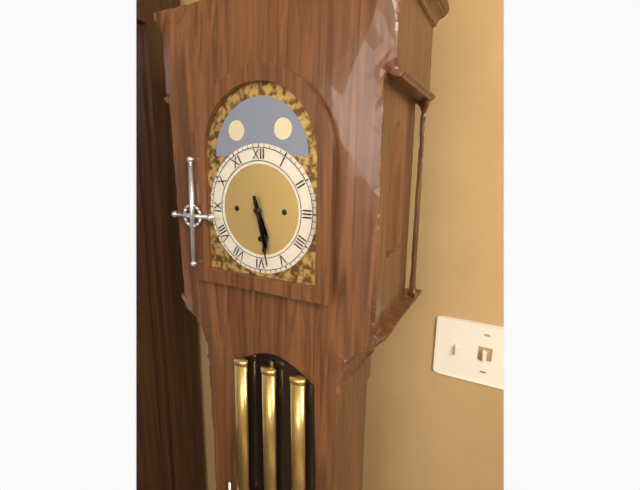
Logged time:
5h28
